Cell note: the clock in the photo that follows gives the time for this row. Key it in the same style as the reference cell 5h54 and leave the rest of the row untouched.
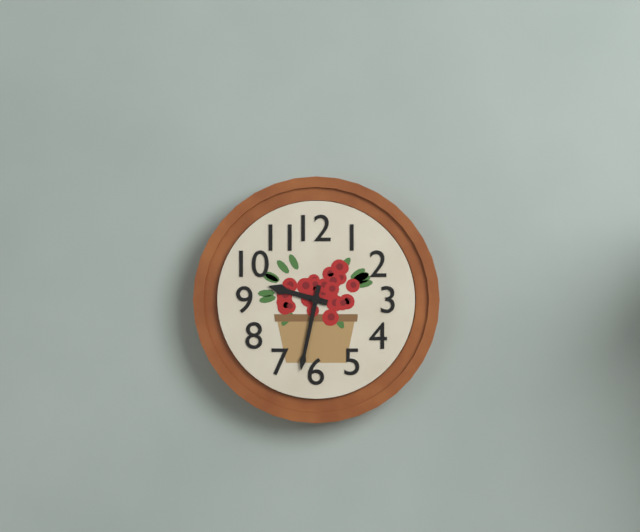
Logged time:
9h32
